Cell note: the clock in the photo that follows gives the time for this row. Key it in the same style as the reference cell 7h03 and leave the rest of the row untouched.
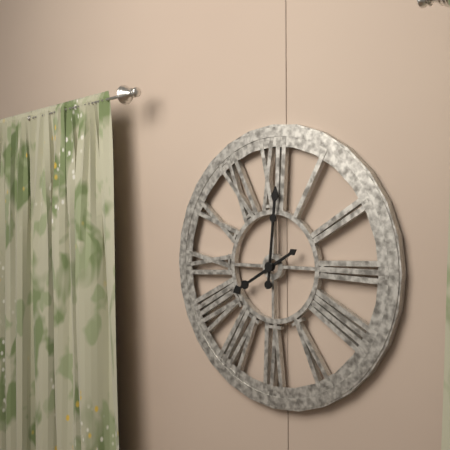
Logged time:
8h01
